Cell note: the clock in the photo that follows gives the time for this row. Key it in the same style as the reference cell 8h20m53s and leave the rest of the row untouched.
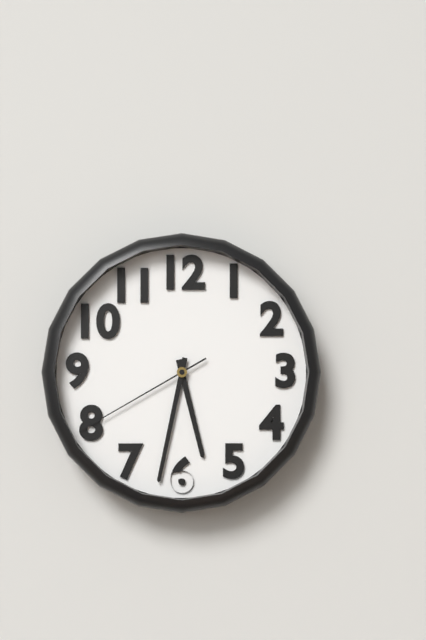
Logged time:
5h32m40s
